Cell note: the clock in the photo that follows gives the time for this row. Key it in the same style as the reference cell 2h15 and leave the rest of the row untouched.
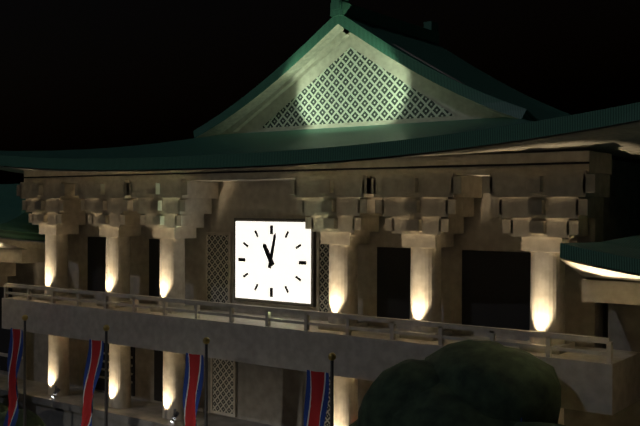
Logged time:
11h02
